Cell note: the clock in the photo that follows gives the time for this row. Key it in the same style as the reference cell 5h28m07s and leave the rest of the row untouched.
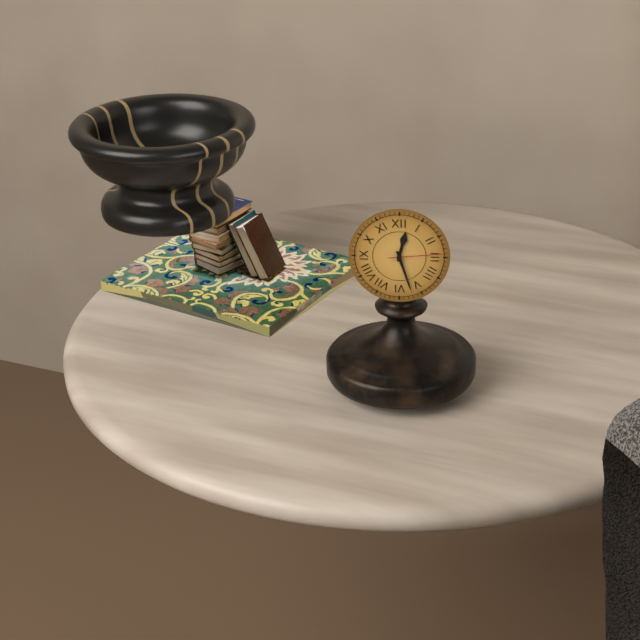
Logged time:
12h27m14s
